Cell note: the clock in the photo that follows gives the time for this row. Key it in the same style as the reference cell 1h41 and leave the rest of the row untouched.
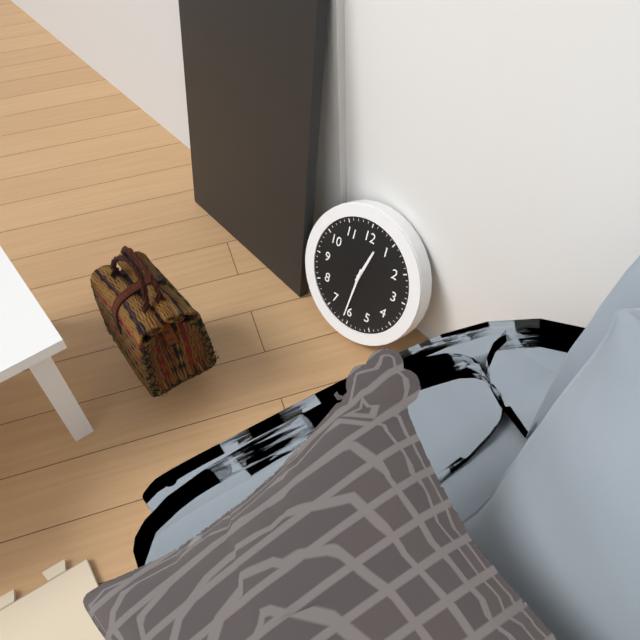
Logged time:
12h31
